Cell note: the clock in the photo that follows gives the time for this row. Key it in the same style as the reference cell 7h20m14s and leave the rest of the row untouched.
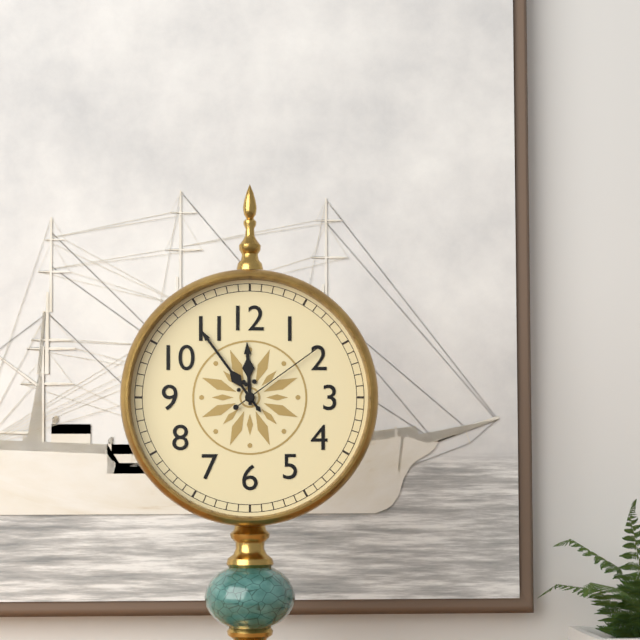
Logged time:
11h54m09s
